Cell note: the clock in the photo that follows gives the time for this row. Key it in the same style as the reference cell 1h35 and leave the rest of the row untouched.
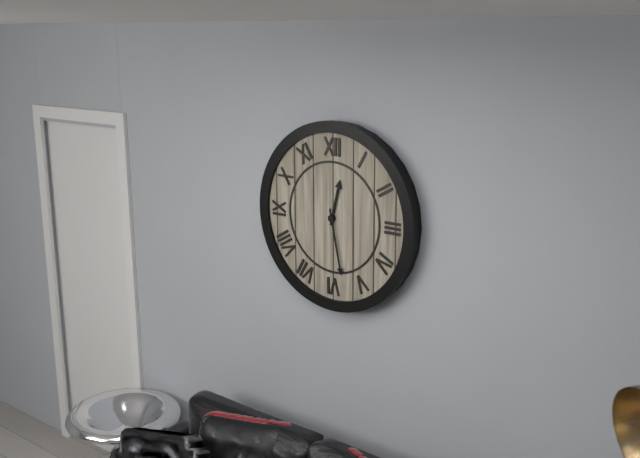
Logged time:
12h28
